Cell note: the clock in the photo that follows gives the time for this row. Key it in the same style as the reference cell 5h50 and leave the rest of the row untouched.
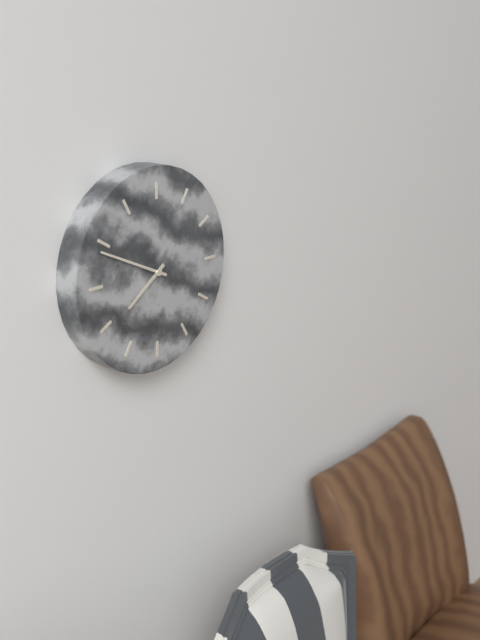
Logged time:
7h49
